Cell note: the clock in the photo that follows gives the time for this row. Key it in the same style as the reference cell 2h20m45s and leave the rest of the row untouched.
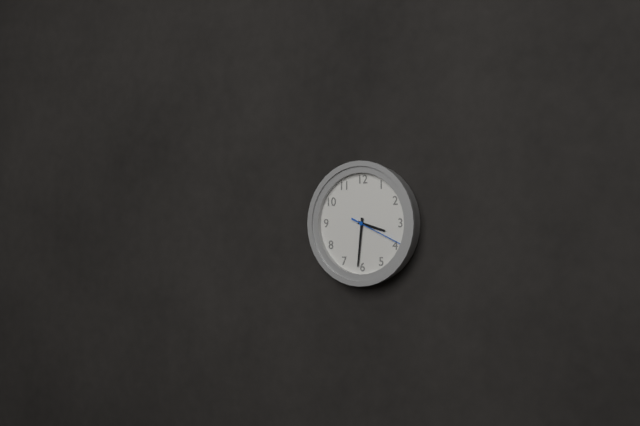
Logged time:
3h31m19s
